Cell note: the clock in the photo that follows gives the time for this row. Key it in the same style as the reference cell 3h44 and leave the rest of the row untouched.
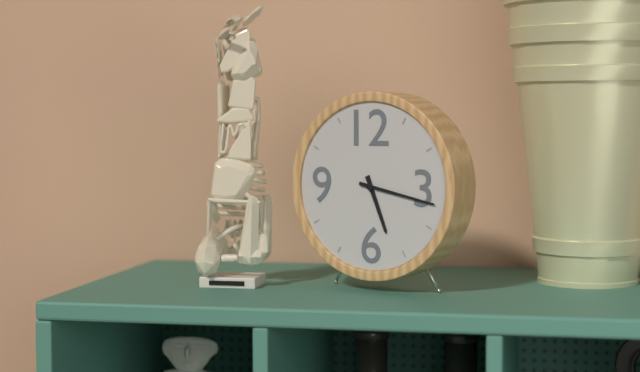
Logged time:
5h17
